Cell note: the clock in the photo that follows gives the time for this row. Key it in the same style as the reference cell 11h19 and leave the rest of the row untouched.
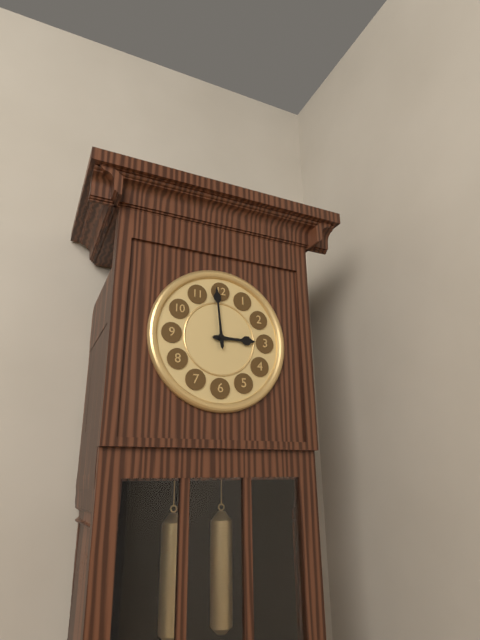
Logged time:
2h59
